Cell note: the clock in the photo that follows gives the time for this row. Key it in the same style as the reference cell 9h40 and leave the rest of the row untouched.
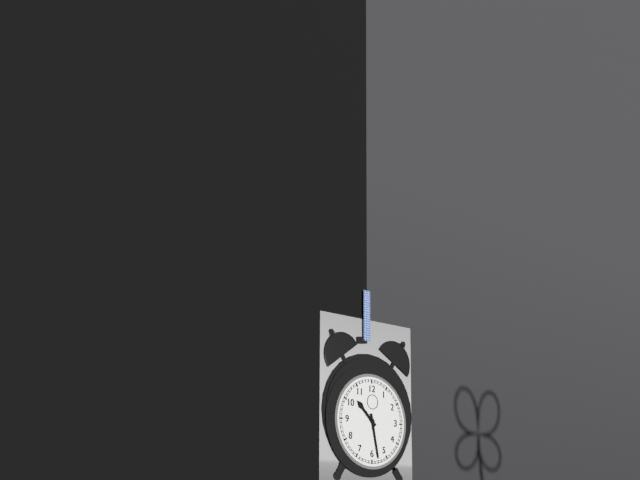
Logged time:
10h28
